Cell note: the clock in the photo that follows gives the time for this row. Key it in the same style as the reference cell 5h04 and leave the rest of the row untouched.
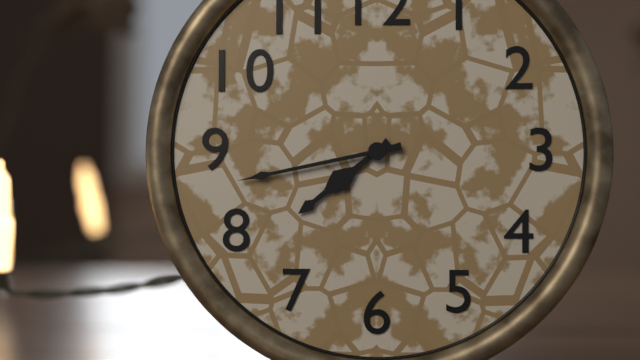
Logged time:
7h43
